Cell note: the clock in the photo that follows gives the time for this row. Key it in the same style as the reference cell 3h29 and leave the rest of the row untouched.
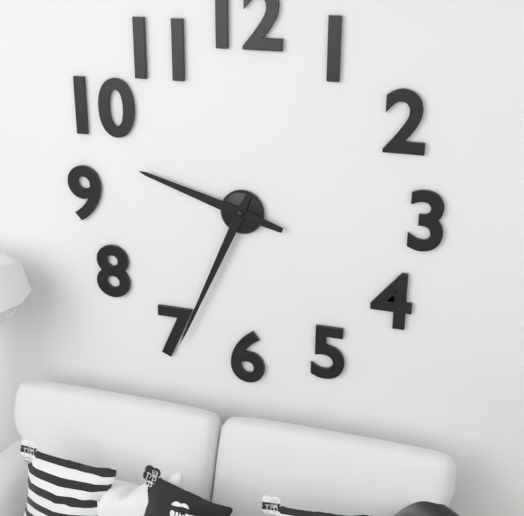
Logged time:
9h34
